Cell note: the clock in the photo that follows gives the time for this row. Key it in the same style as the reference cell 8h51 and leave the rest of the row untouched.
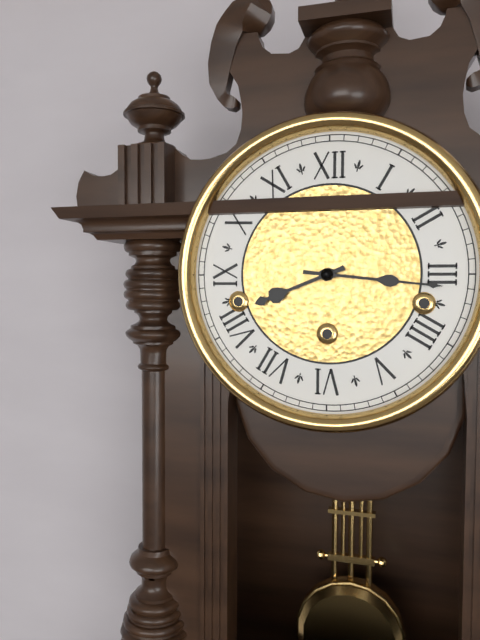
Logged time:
8h16
